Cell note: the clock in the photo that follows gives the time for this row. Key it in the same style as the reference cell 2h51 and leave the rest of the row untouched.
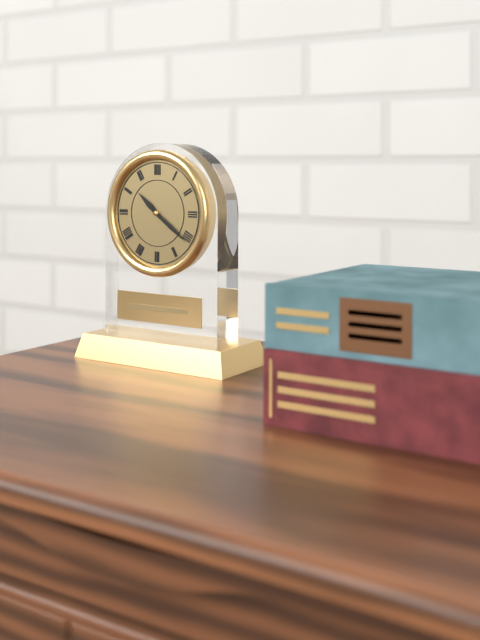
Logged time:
10h21
